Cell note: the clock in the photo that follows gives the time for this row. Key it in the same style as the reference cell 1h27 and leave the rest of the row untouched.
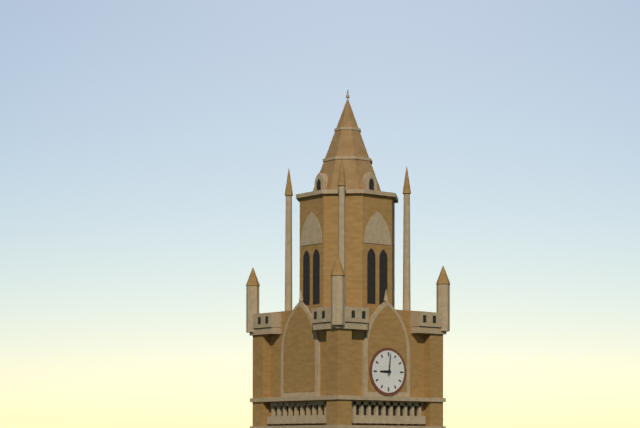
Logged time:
9h01
